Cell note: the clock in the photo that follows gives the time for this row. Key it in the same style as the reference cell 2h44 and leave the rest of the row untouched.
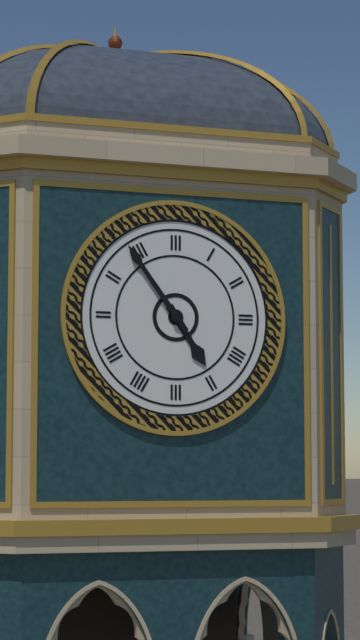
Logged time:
4h54
